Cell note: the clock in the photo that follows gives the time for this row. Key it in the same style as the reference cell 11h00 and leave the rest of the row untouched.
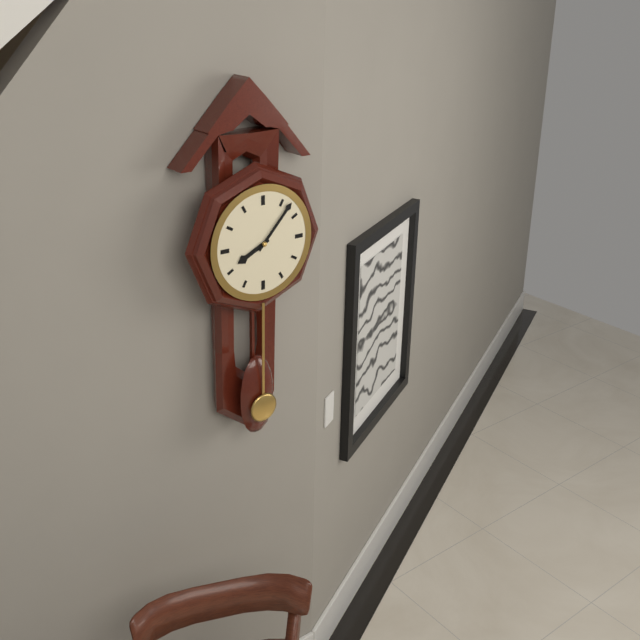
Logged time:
8h07
